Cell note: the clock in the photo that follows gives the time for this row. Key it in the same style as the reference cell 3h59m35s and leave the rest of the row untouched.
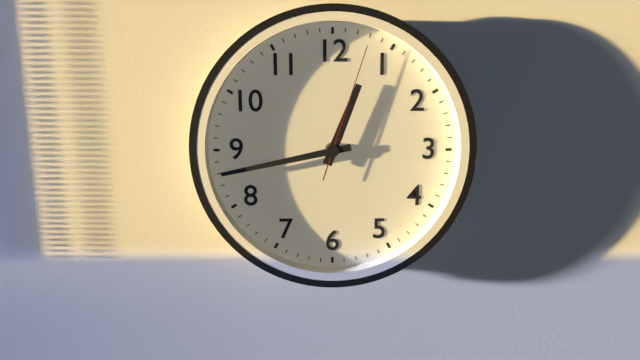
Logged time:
12h43m03s
